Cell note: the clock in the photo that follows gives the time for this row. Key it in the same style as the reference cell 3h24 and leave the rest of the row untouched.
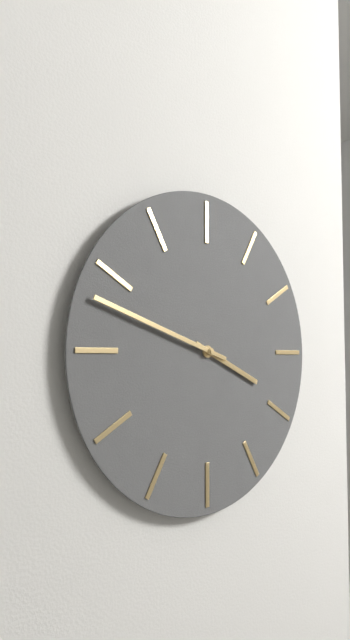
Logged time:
3h48
